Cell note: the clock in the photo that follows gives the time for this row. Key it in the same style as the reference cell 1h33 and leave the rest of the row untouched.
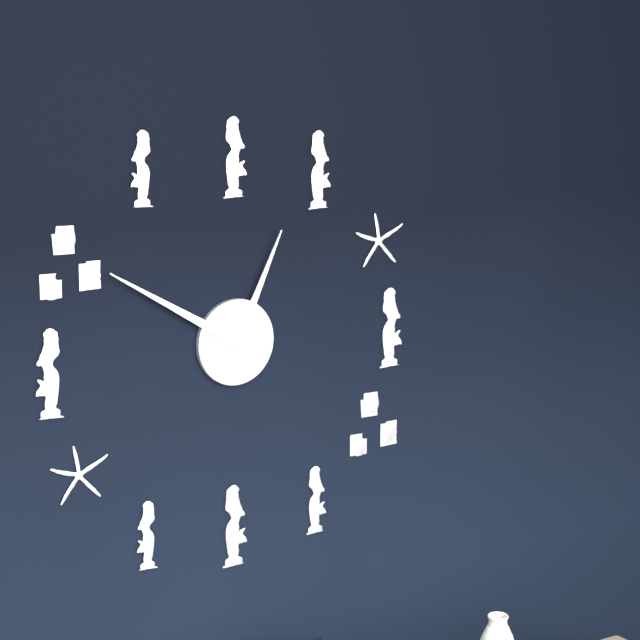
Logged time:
12h50
